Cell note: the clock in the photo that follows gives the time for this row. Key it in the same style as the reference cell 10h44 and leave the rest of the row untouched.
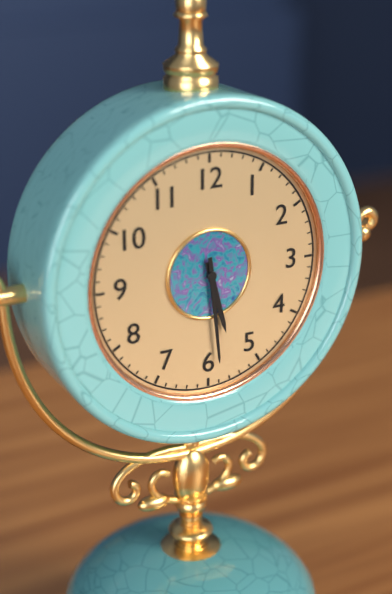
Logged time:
5h29
